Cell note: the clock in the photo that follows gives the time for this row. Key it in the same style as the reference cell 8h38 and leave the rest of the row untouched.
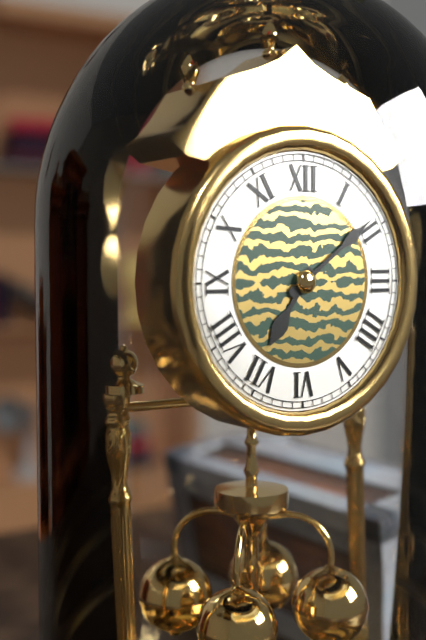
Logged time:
7h09
